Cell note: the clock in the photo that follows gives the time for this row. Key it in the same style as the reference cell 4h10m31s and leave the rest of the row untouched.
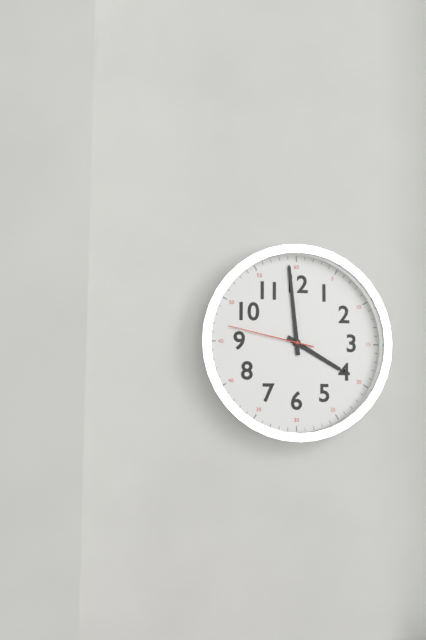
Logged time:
3h59m47s
